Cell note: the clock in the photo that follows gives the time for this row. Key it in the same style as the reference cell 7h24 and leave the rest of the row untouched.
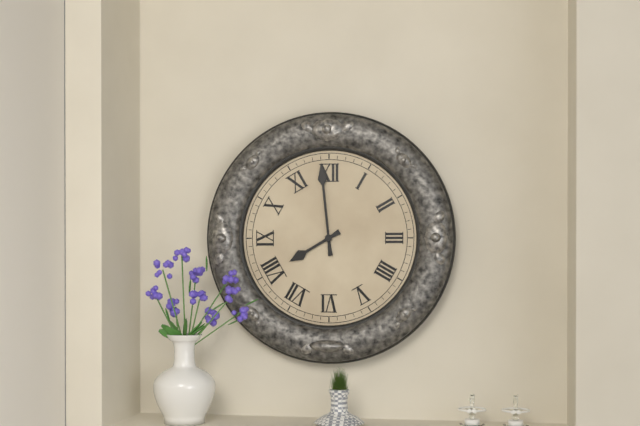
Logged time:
7h59
